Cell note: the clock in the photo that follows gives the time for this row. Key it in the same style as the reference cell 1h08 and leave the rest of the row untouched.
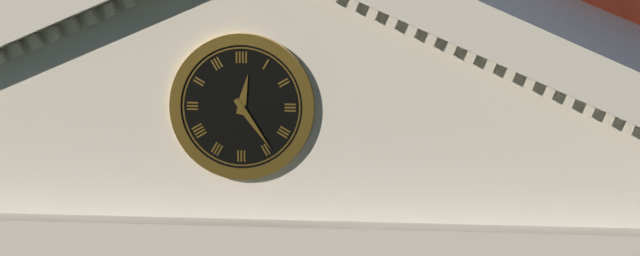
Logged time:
12h24
